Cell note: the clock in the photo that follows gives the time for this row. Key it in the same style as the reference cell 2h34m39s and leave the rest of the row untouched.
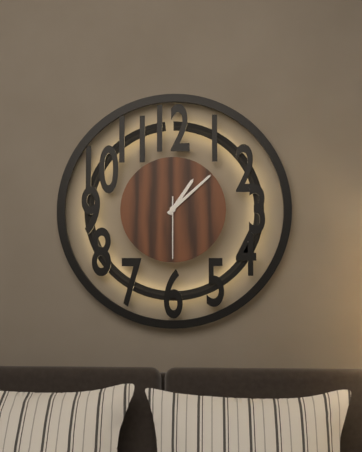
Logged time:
1h08m30s
